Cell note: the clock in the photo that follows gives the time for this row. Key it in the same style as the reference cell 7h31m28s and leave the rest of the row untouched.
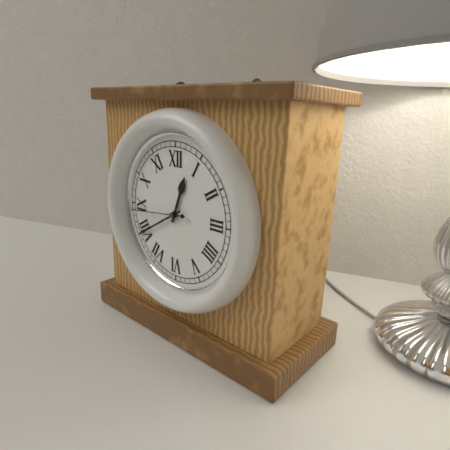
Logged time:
12h40m44s
